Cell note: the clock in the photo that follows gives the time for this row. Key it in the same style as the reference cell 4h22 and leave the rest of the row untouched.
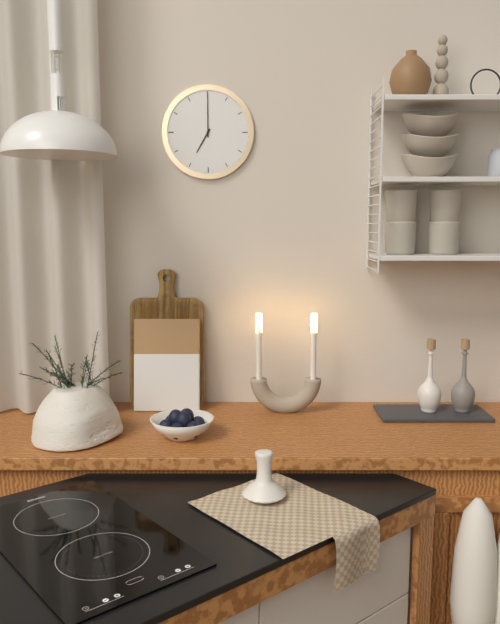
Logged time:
7h00
